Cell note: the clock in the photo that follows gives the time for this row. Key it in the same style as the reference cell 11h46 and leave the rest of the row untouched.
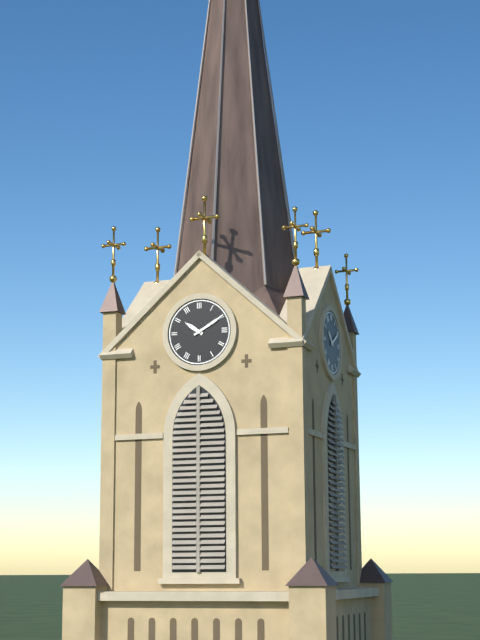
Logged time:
10h10
